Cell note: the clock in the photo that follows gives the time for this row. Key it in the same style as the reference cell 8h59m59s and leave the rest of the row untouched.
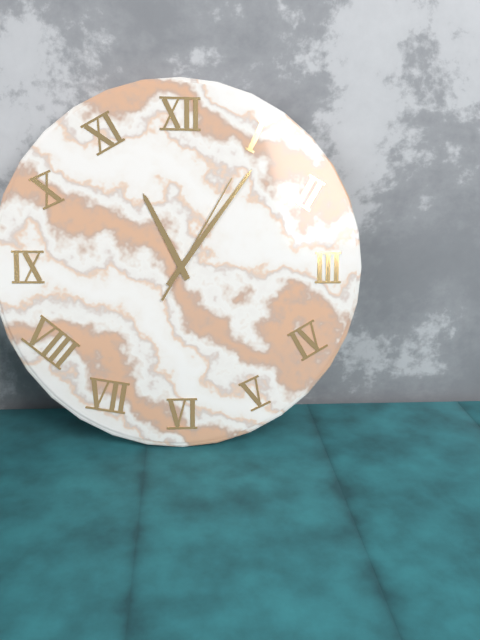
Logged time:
11h06m05s
